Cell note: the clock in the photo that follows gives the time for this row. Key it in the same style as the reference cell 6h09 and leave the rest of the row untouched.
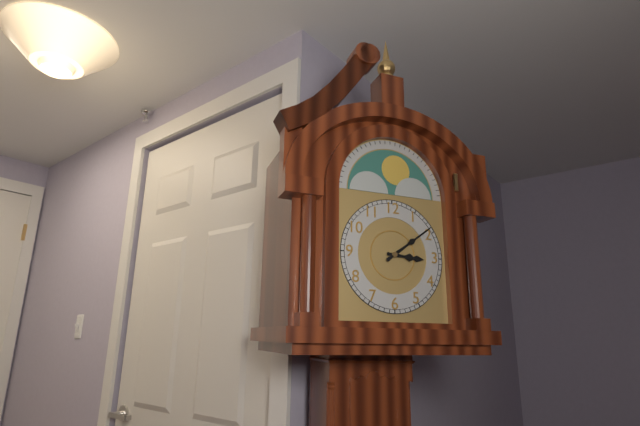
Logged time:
3h09
